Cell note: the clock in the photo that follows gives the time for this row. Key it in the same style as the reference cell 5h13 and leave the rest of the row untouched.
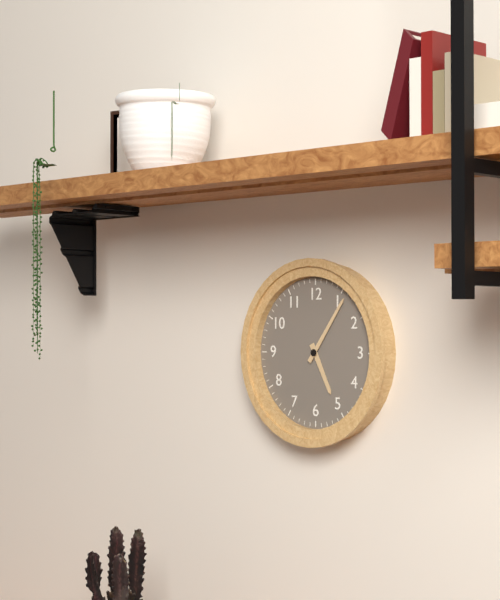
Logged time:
5h06
